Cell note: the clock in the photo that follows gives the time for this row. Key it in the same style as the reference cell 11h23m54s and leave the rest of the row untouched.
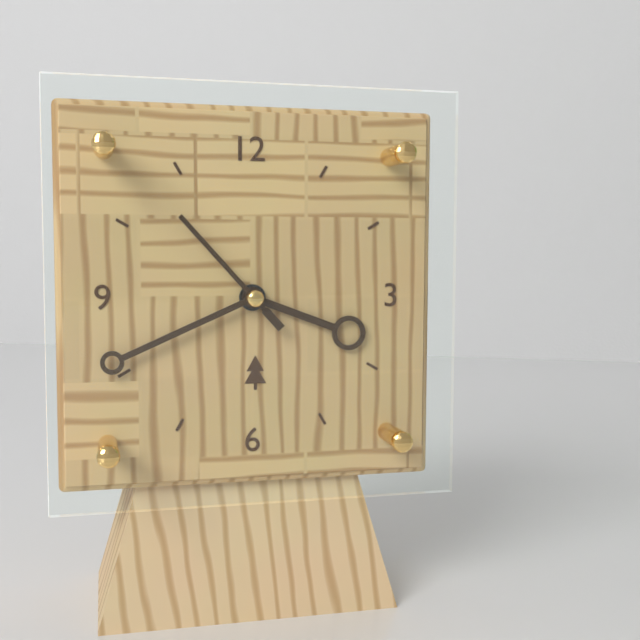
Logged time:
3h41m53s
